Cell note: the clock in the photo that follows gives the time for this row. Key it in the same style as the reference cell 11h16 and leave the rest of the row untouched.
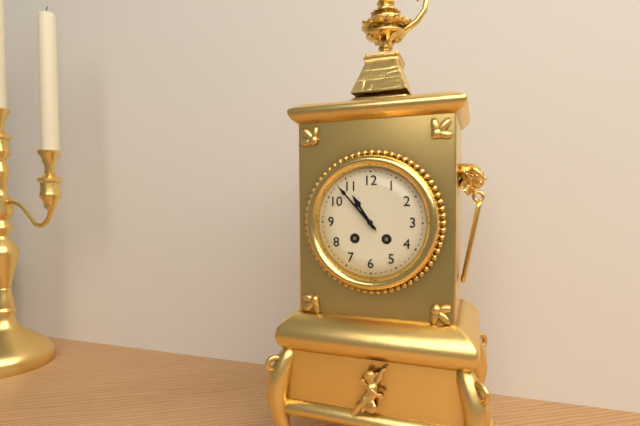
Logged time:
10h53
